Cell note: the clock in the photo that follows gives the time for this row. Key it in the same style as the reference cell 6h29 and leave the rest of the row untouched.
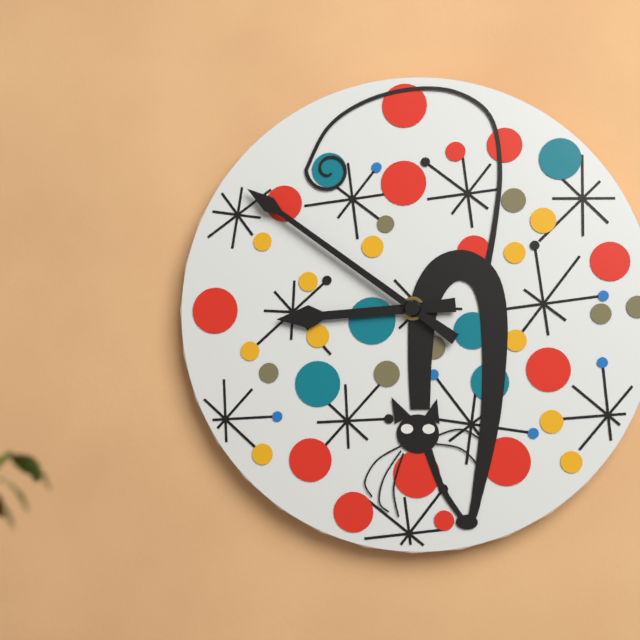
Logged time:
8h51
